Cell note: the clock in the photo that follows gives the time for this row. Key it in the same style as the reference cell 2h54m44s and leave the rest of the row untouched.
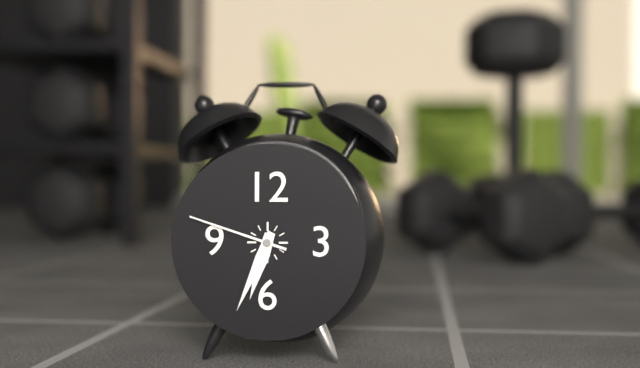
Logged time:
6h34m48s
